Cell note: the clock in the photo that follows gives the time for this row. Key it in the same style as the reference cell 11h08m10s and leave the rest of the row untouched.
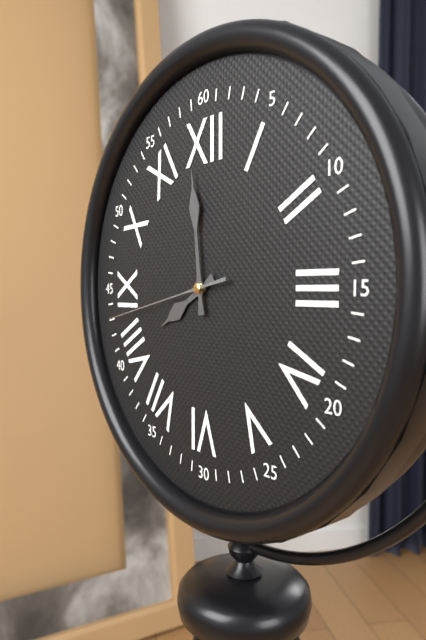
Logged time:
7h59m43s
